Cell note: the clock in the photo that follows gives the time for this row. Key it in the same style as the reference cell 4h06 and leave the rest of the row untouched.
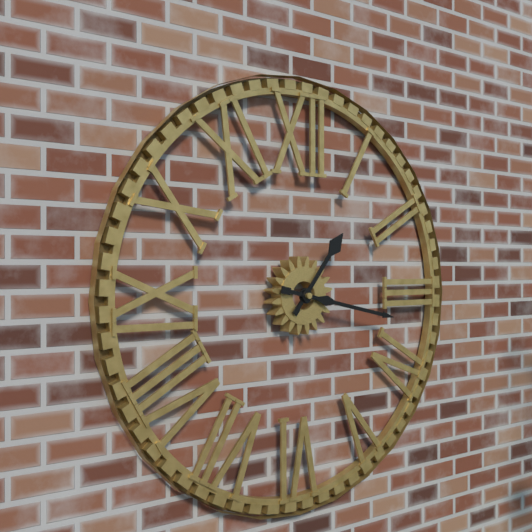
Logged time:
1h17
